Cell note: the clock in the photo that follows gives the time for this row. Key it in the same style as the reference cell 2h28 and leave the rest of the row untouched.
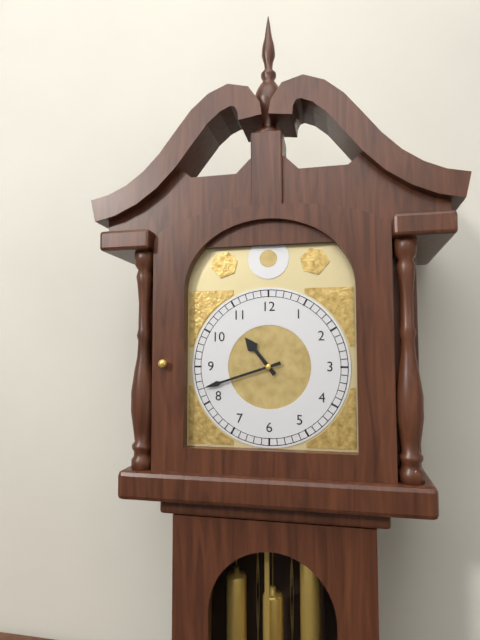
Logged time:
10h42
